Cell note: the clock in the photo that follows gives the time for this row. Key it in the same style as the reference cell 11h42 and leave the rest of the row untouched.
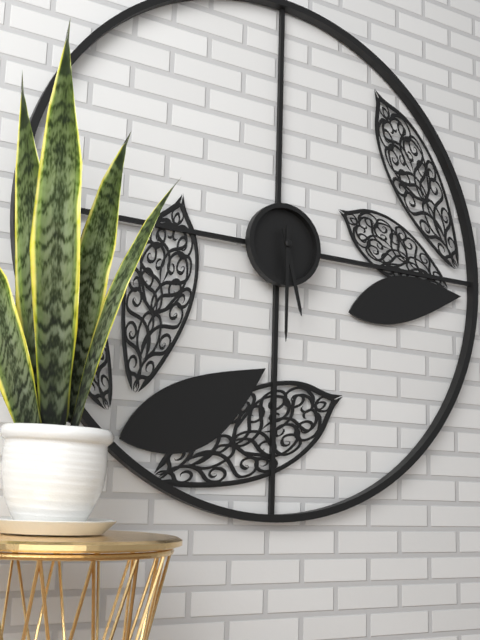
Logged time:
5h30
